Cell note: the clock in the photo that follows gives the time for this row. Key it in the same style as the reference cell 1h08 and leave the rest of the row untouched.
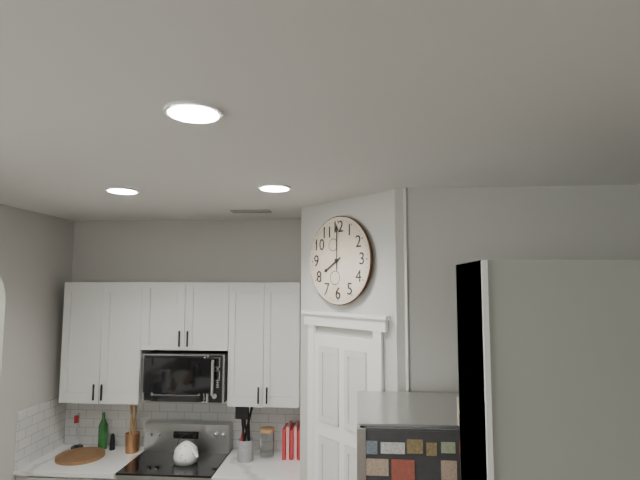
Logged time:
8h00
